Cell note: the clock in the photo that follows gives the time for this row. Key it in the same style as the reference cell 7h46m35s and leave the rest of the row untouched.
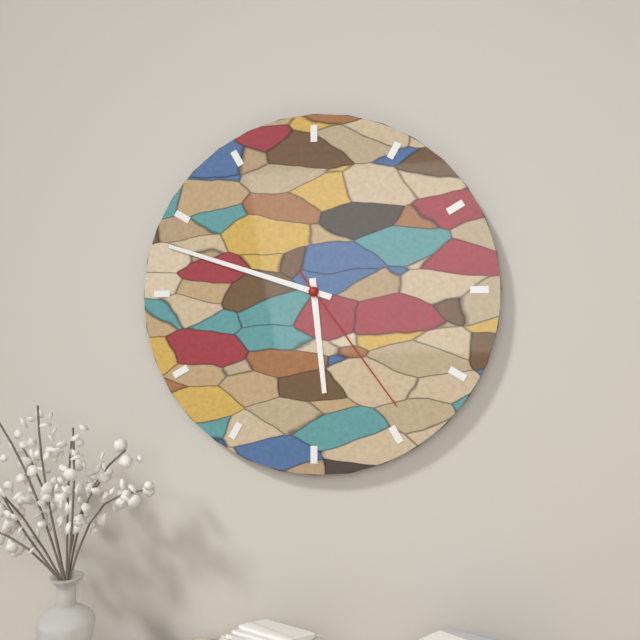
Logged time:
5h48m24s
